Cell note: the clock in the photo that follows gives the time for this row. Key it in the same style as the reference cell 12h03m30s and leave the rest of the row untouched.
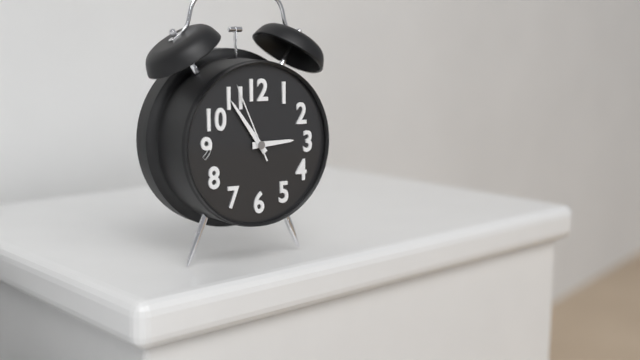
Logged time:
2h54m56s
